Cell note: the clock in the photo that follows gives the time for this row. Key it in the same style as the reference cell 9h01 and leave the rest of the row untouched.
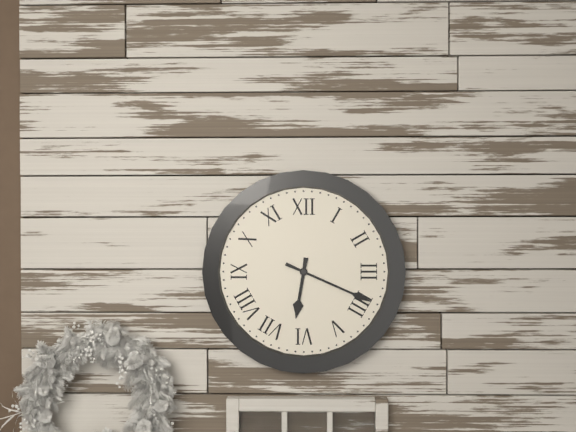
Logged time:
6h19
